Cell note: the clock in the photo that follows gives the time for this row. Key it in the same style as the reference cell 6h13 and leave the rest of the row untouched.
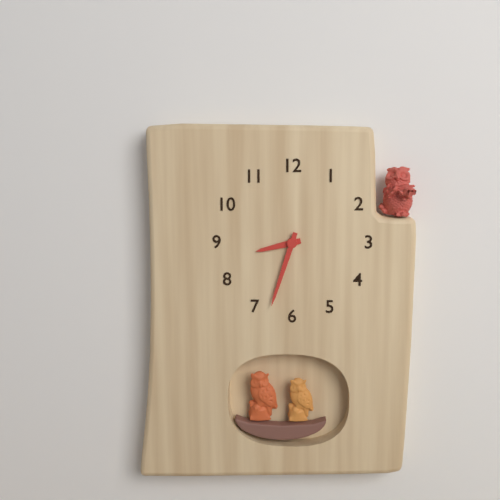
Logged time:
8h33
